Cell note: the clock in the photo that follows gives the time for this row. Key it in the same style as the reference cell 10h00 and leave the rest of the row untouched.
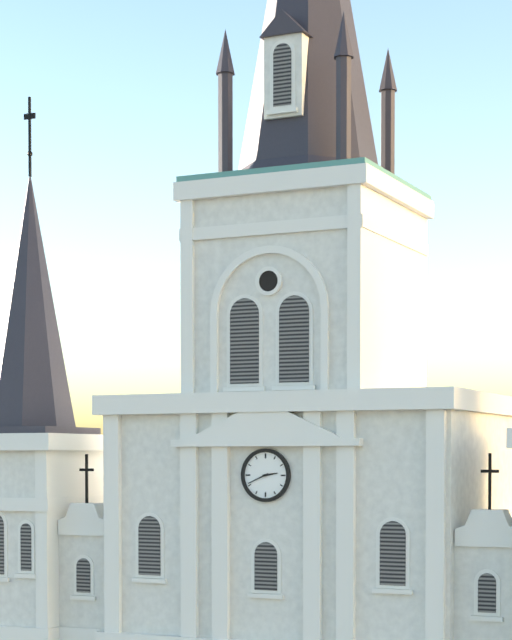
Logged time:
2h41
